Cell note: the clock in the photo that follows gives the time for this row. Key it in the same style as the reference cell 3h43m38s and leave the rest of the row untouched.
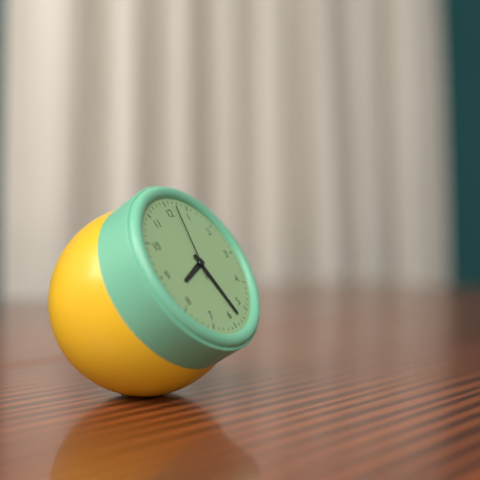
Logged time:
8h28m02s
